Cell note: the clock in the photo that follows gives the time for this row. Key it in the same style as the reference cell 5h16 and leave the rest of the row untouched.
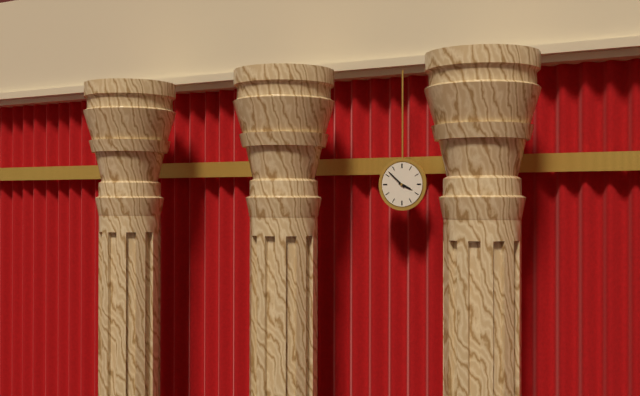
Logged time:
3h52
